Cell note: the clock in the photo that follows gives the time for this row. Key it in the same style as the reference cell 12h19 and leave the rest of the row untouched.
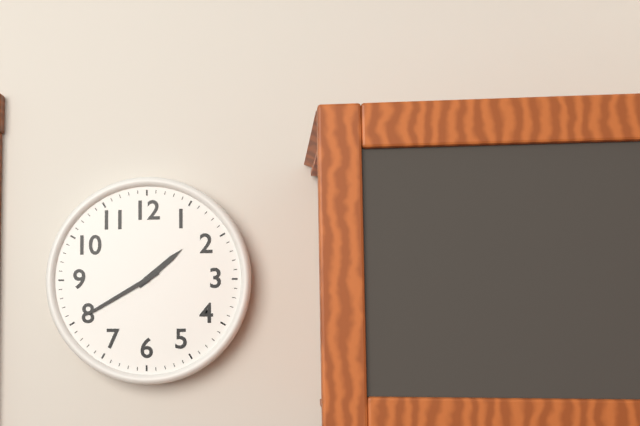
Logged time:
1h40
